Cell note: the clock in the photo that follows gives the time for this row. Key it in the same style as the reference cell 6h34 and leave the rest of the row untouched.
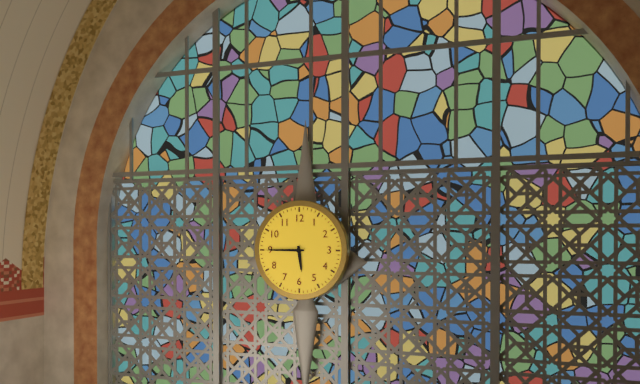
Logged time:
5h45
